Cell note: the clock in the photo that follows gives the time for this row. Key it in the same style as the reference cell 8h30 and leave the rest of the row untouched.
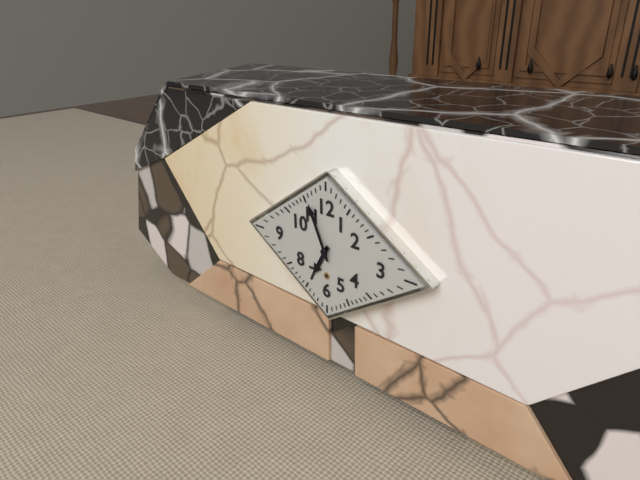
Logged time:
6h56
